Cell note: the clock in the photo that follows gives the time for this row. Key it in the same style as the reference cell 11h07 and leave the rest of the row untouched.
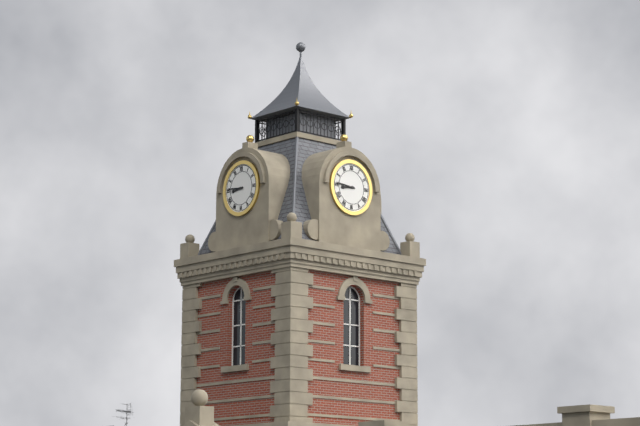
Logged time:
8h46
